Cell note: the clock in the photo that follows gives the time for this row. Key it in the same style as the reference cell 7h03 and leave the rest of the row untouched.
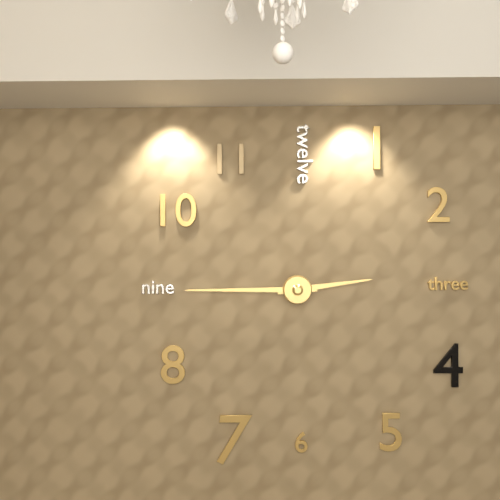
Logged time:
2h45
